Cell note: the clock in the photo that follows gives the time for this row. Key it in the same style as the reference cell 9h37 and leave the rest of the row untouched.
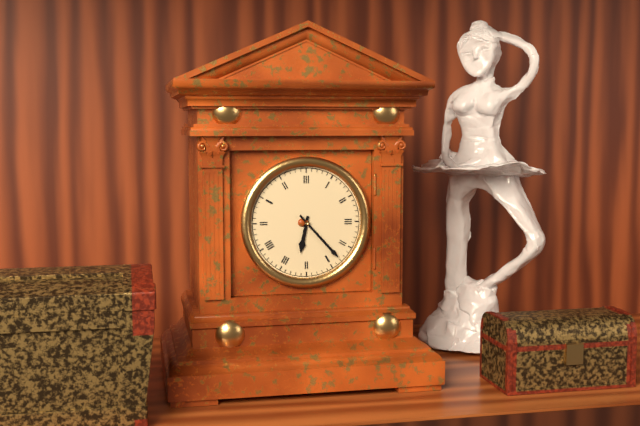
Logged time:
6h23
